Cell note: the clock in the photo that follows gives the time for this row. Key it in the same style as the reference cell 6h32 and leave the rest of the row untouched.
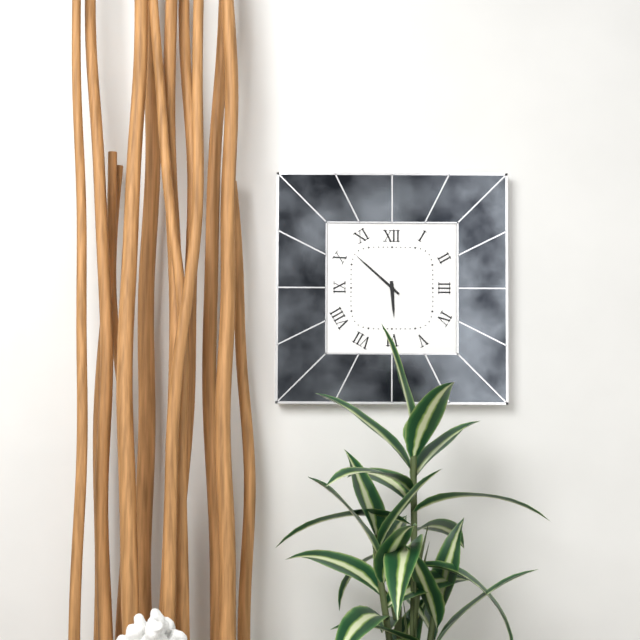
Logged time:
5h52
